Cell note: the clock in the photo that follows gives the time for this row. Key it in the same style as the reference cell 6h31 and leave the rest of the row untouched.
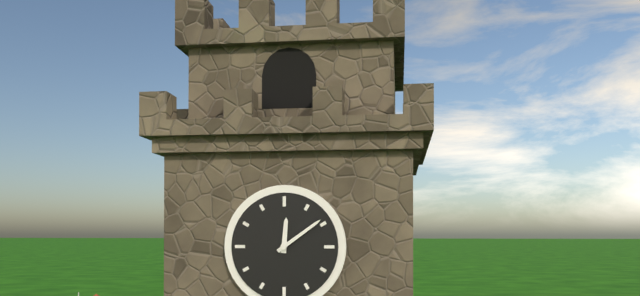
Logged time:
12h09
